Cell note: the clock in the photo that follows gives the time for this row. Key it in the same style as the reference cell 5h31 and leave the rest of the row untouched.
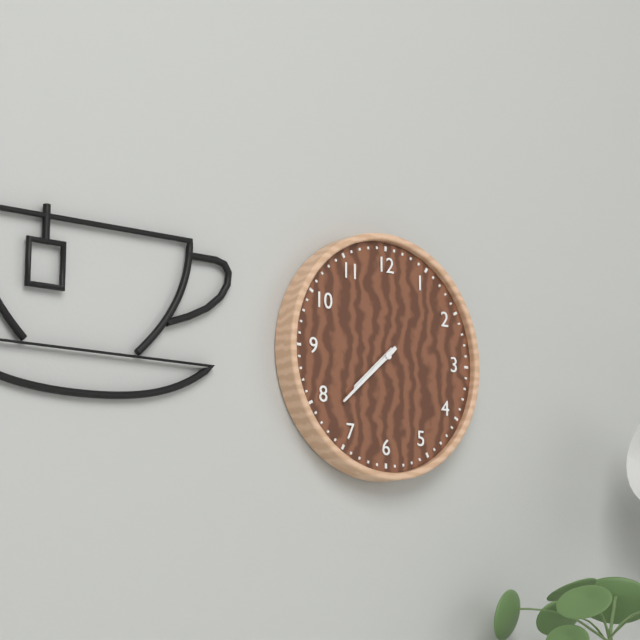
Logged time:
7h38
